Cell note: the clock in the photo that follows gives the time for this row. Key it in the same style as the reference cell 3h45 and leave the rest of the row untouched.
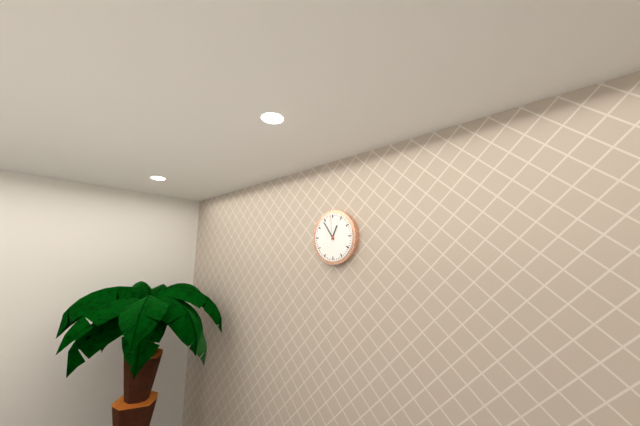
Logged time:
12h54
